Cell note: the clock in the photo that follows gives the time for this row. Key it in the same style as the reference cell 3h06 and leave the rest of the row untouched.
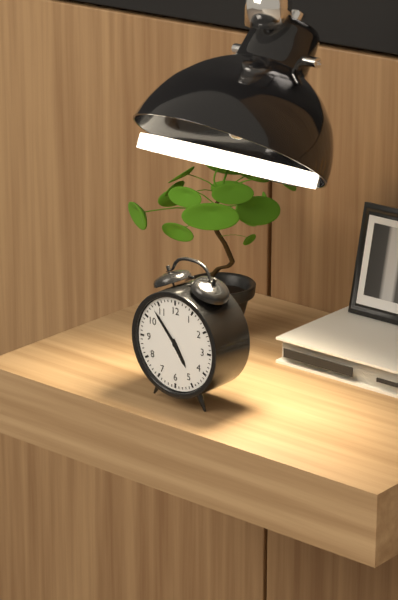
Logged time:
4h53
